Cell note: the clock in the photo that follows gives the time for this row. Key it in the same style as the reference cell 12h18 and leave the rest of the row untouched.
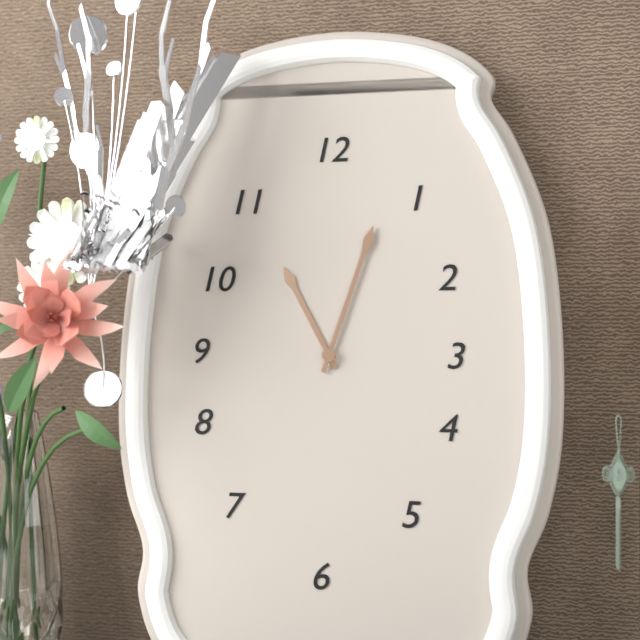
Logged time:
11h03
